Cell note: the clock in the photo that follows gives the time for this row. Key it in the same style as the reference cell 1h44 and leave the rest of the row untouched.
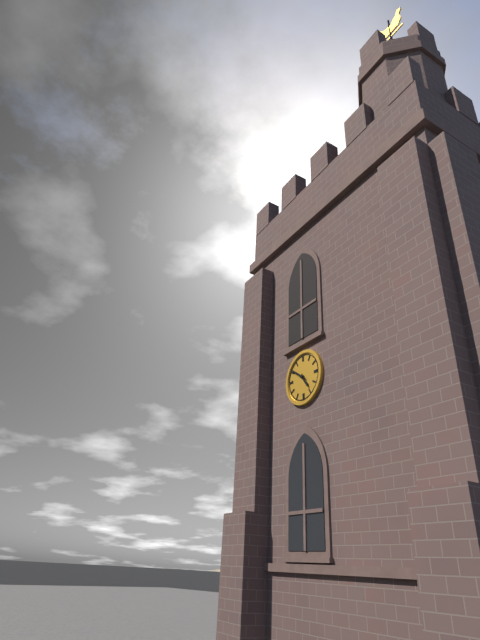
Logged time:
4h51
